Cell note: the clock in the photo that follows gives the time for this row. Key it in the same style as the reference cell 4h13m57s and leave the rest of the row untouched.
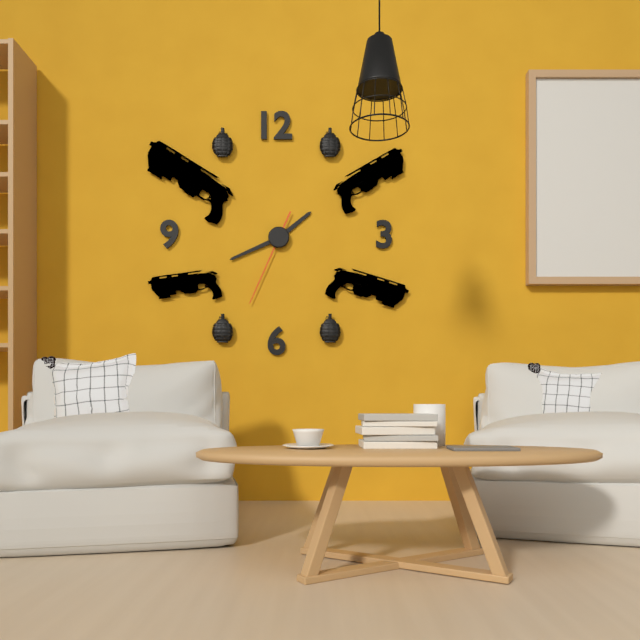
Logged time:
1h41m34s
